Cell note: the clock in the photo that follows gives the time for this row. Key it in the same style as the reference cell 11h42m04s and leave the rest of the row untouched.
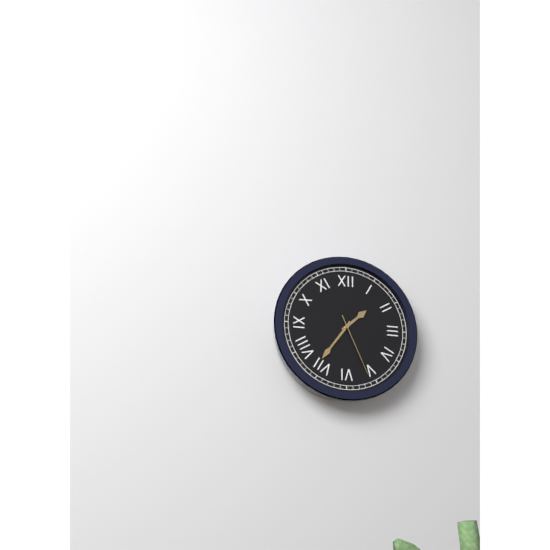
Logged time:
1h36m26s
